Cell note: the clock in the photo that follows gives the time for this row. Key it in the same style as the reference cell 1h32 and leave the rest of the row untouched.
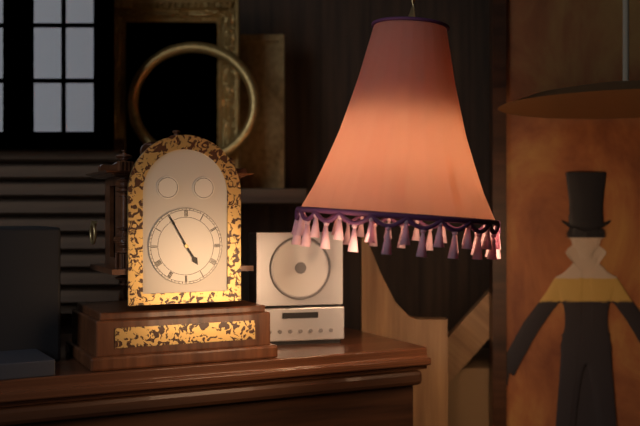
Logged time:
4h55
